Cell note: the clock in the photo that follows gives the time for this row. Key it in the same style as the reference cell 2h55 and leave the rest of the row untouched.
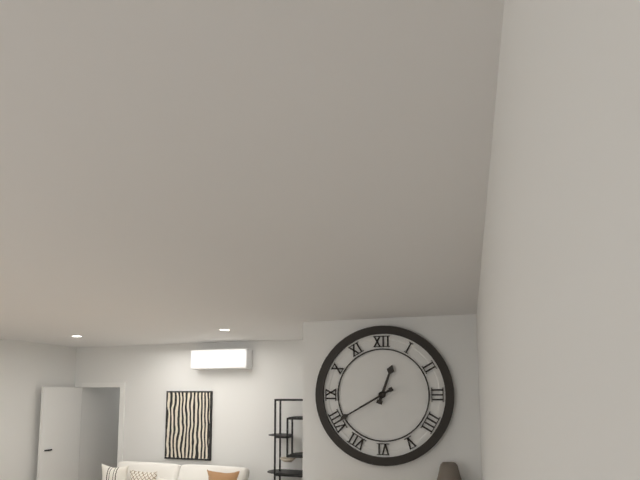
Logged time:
12h40
